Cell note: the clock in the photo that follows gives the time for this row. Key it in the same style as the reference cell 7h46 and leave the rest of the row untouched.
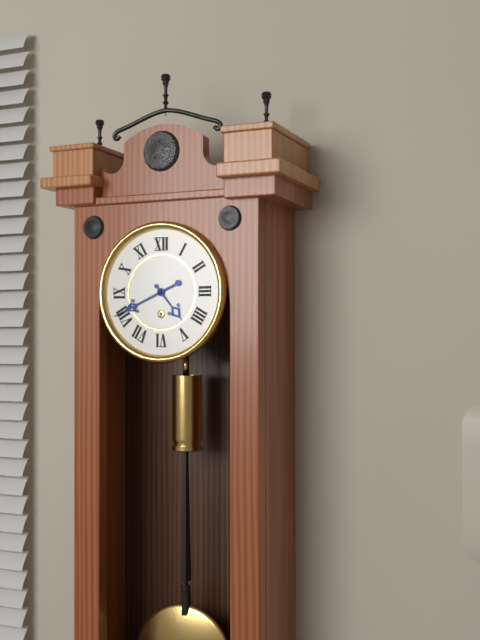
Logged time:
4h41
